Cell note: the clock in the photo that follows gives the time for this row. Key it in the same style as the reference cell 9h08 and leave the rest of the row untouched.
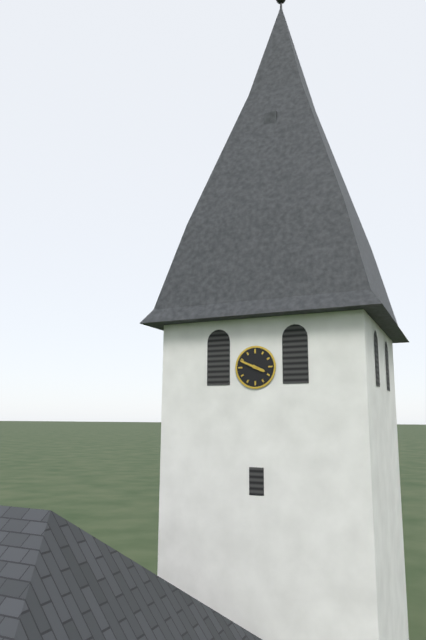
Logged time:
3h49
